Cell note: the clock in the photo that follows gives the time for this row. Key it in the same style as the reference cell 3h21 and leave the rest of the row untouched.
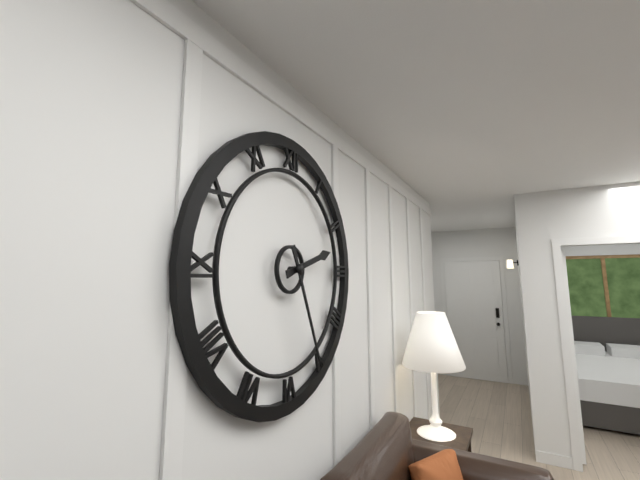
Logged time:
2h26
